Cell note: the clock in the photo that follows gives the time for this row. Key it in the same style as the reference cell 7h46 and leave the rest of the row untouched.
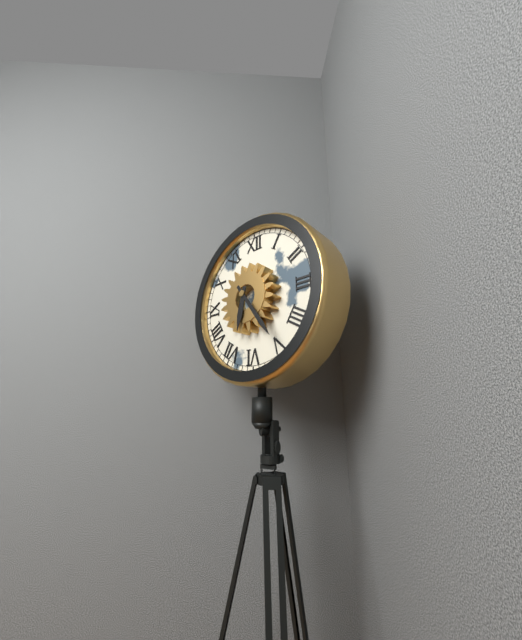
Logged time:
6h24
